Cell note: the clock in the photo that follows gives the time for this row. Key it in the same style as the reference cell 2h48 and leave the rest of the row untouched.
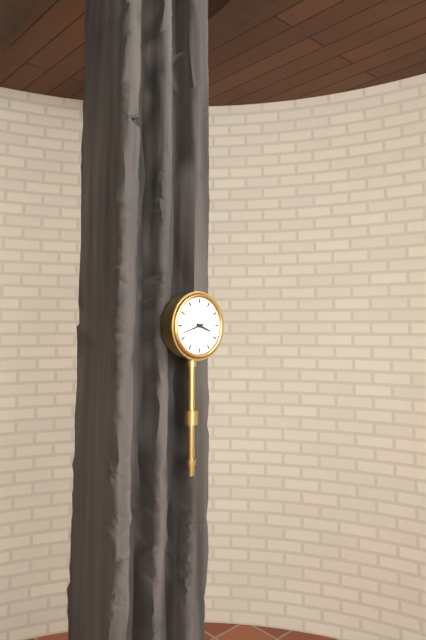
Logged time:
3h42
